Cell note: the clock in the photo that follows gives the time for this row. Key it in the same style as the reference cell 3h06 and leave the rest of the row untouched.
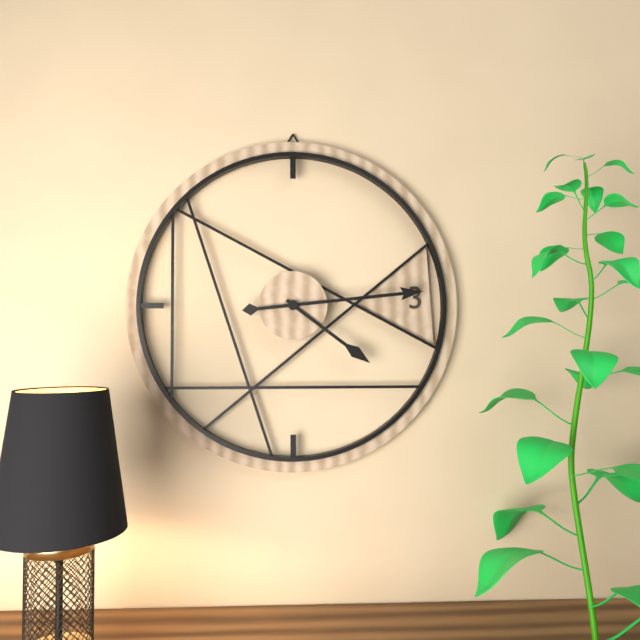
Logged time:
4h14
